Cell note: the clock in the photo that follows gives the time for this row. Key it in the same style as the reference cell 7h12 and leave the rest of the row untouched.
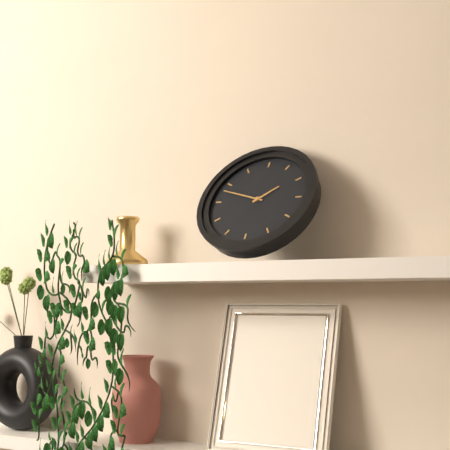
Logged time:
1h48
